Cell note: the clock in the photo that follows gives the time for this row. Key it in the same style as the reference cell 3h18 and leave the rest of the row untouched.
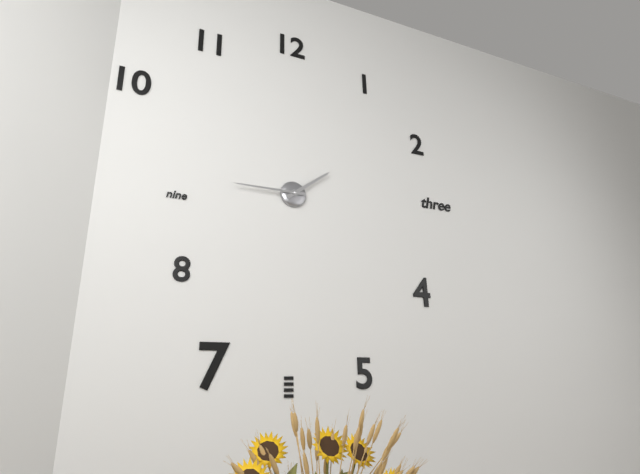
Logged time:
1h45
